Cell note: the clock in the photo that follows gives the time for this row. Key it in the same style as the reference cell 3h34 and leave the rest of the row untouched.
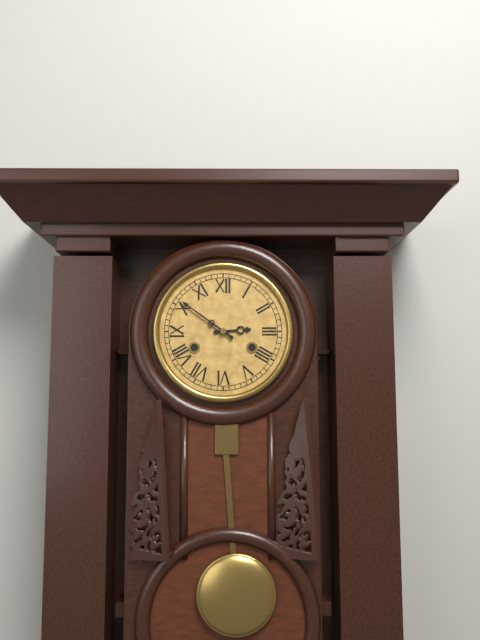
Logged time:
2h51
